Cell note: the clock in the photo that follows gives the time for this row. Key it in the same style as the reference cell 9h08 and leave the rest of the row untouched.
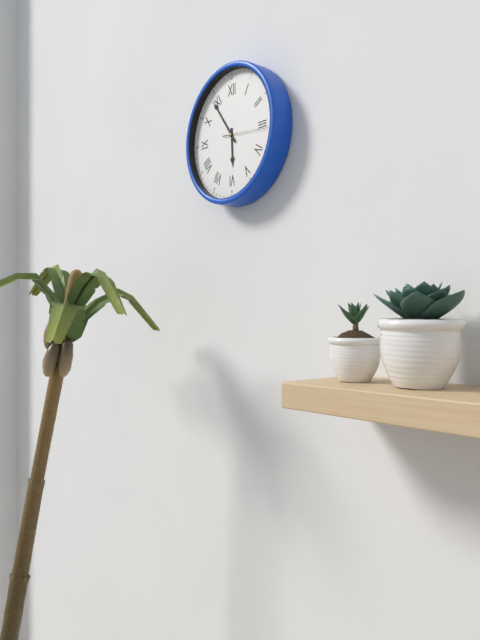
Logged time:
5h54
